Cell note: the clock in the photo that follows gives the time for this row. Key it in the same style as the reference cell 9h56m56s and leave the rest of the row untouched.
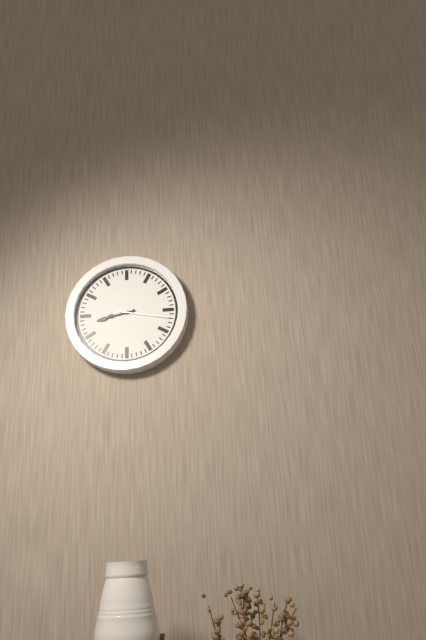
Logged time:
8h43m17s
